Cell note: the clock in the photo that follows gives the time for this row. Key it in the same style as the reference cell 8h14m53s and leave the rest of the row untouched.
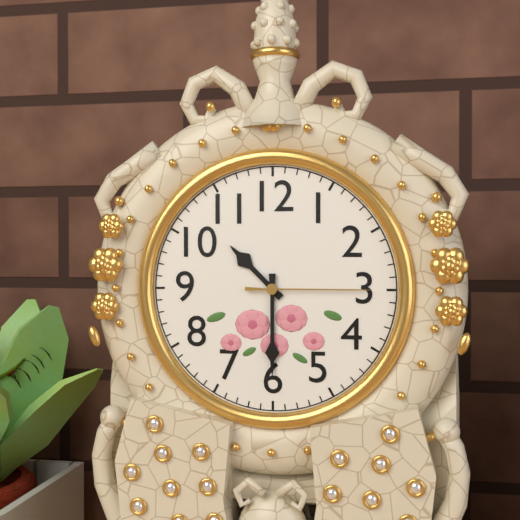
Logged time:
10h30m15s
